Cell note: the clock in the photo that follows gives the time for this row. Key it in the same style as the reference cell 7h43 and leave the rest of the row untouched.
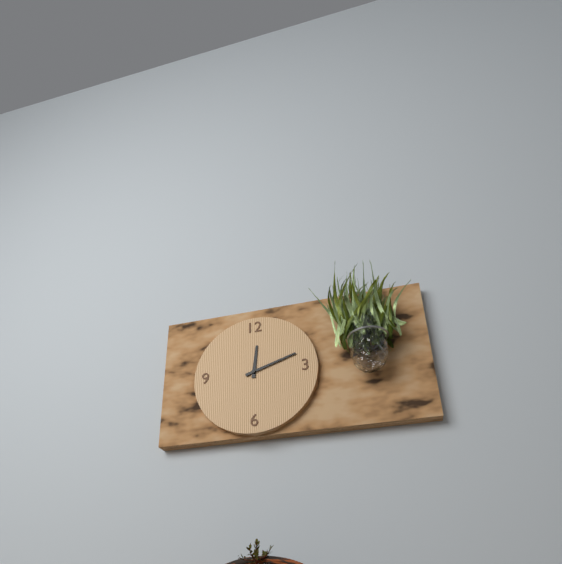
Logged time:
12h12
